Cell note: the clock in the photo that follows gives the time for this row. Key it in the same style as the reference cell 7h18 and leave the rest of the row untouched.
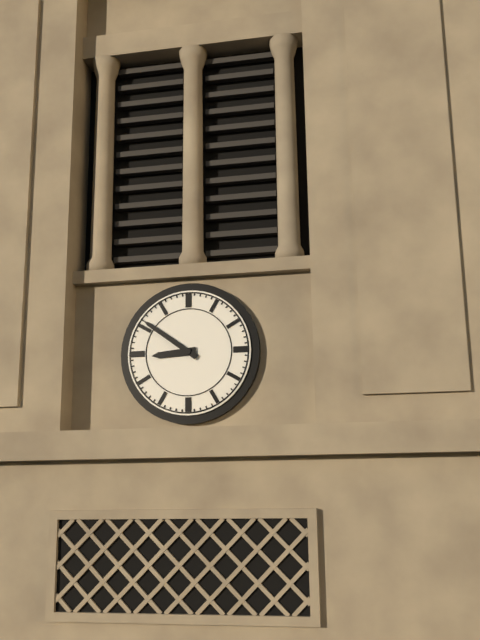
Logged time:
8h51
